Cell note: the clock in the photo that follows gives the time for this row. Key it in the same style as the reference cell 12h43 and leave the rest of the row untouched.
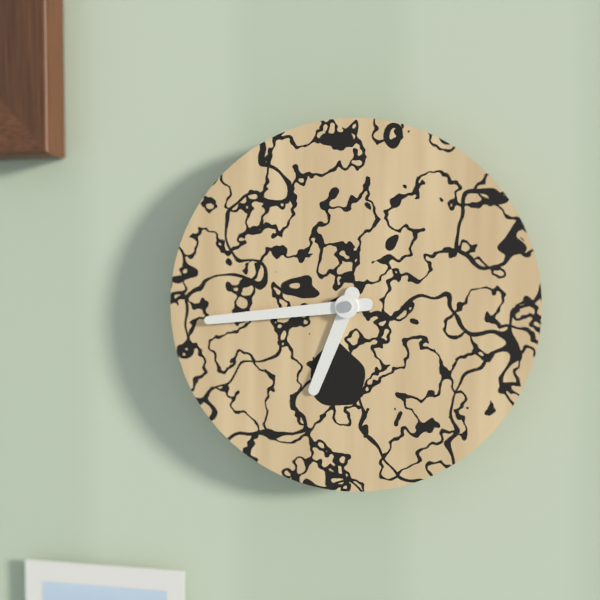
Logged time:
6h44
